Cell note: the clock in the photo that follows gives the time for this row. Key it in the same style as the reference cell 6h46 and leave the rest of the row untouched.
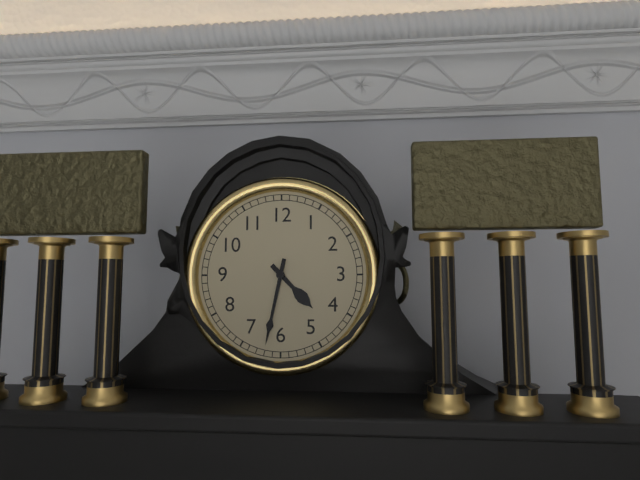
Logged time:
4h32
